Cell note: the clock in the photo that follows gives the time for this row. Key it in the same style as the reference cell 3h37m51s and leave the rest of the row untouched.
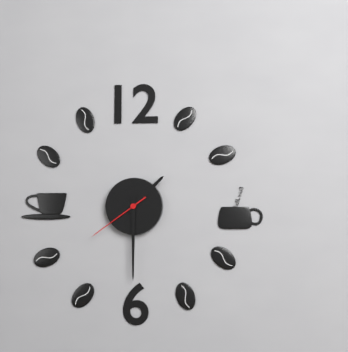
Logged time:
1h30m39s
